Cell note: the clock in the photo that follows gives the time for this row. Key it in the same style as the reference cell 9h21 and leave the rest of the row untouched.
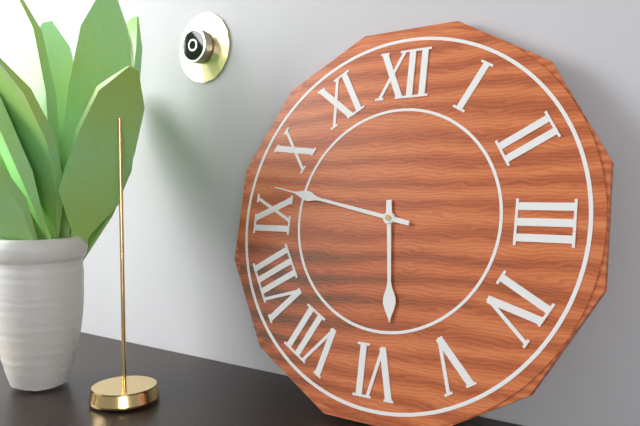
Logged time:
5h47
